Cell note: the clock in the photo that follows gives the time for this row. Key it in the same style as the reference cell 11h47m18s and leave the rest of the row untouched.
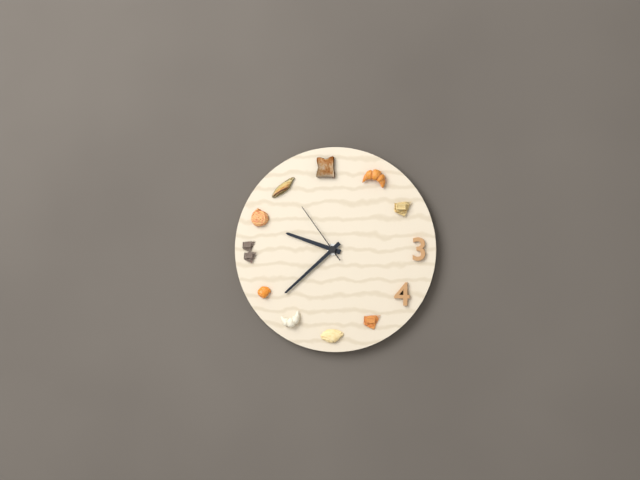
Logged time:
9h38m54s
